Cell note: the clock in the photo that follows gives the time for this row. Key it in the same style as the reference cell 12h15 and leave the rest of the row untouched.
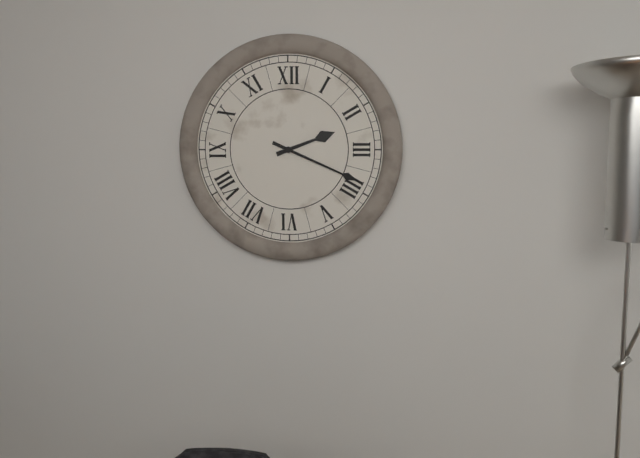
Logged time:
2h19
